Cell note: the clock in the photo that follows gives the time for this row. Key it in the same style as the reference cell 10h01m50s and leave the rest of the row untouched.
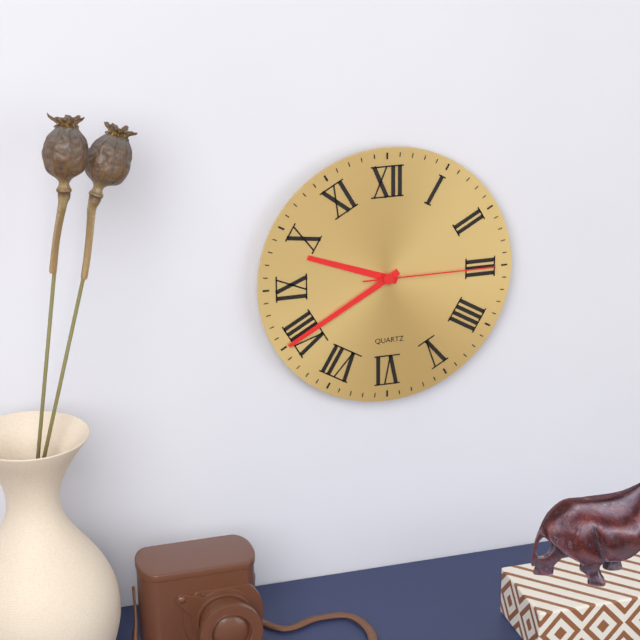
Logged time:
9h40m15s
